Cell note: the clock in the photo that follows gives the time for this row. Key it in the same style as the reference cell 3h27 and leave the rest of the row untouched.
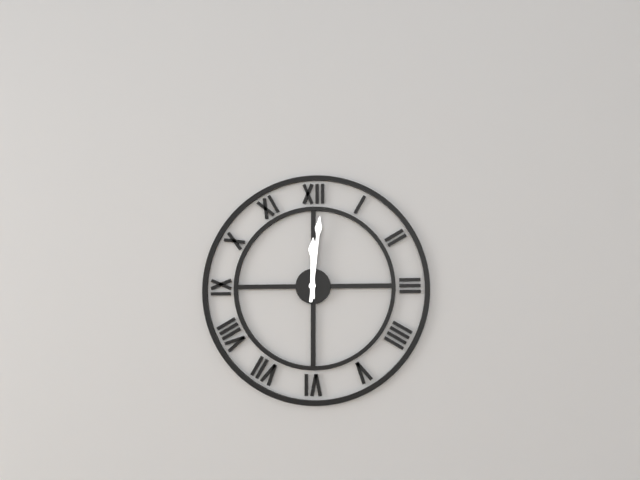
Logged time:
12h01
